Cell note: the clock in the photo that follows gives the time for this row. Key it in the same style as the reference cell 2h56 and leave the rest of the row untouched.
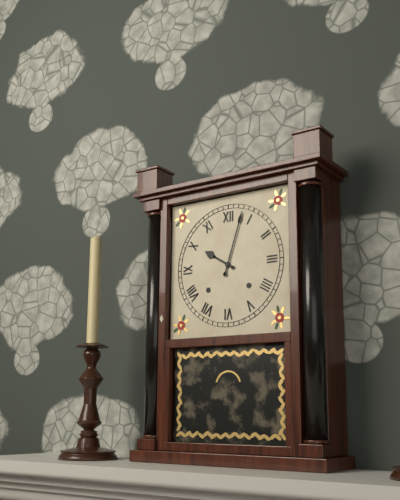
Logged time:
10h03
